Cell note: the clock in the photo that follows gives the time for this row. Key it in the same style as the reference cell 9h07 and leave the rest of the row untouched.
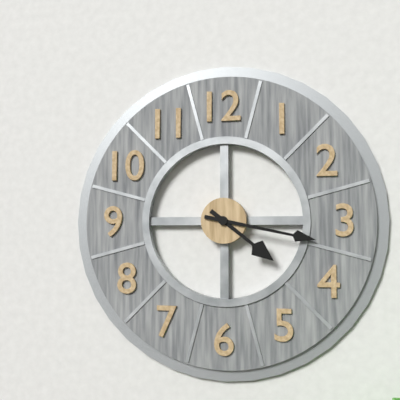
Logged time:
4h17
